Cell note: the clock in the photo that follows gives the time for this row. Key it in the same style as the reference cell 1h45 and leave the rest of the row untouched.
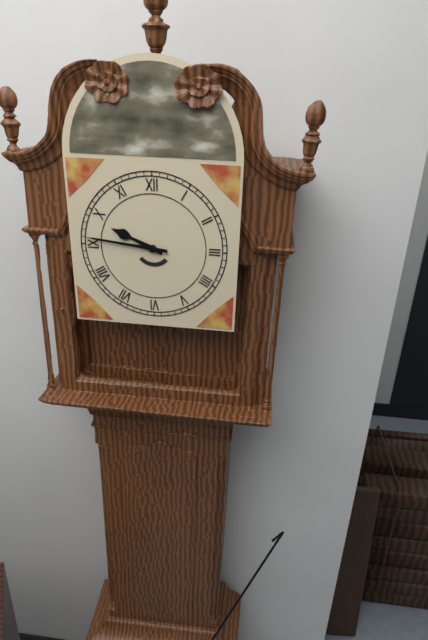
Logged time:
9h46
